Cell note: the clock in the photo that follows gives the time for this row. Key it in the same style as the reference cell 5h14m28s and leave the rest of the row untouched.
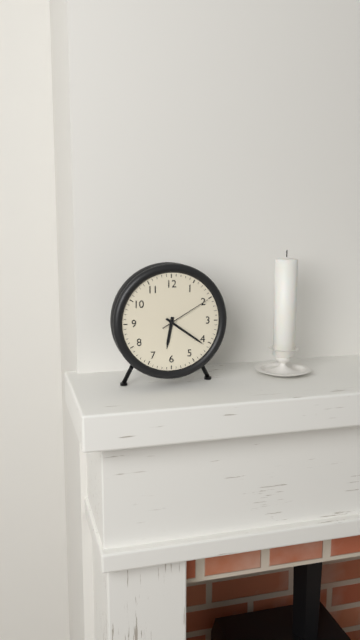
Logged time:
6h21m10s
